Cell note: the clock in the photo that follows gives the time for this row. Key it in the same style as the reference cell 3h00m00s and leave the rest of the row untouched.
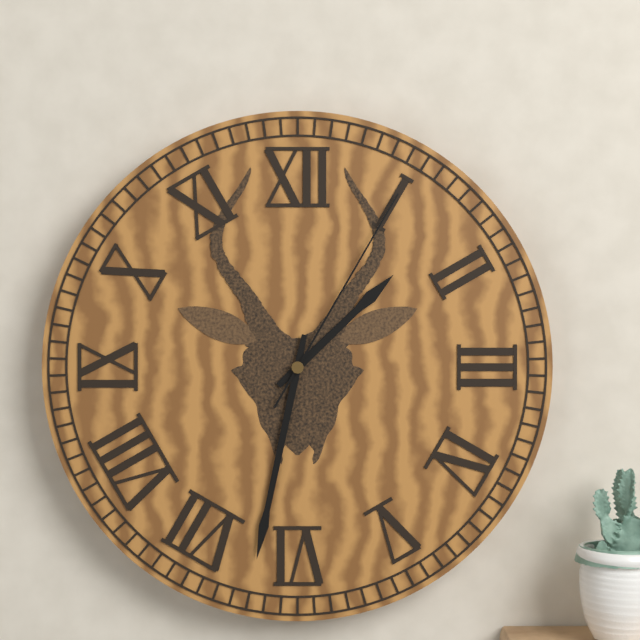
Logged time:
1h32m05s
